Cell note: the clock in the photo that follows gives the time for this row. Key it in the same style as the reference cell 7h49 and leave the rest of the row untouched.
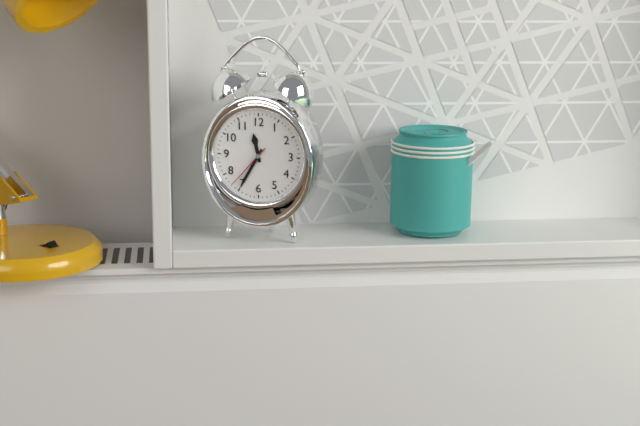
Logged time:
11h35
